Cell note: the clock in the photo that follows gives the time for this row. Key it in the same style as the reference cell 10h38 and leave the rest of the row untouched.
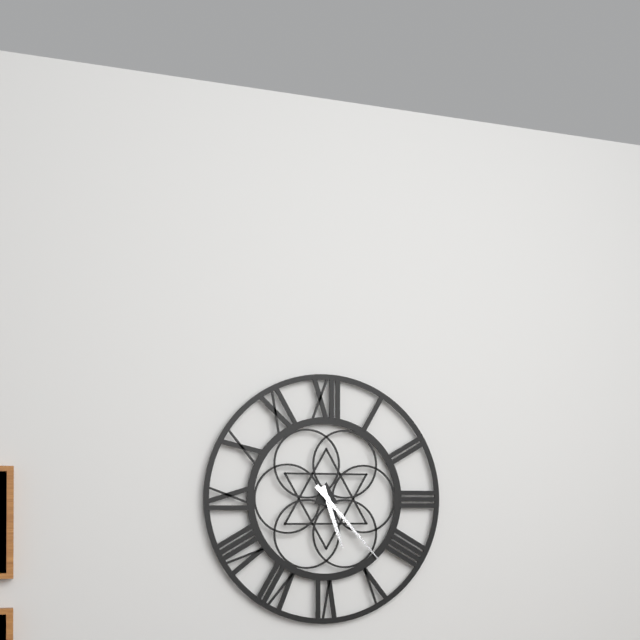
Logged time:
5h23
